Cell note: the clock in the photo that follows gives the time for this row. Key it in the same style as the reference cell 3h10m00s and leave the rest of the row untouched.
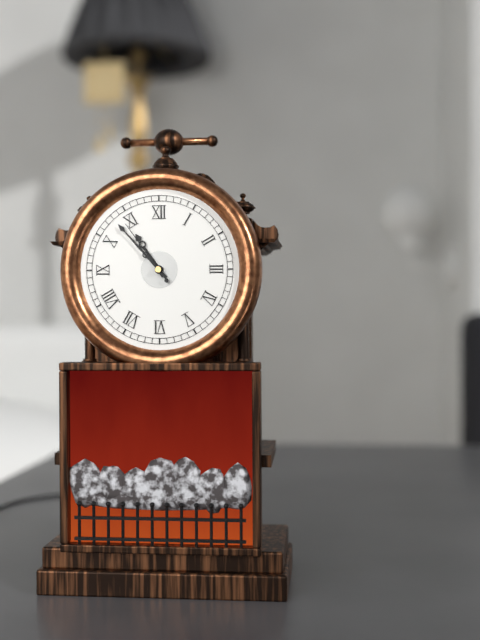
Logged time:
10h53m54s
